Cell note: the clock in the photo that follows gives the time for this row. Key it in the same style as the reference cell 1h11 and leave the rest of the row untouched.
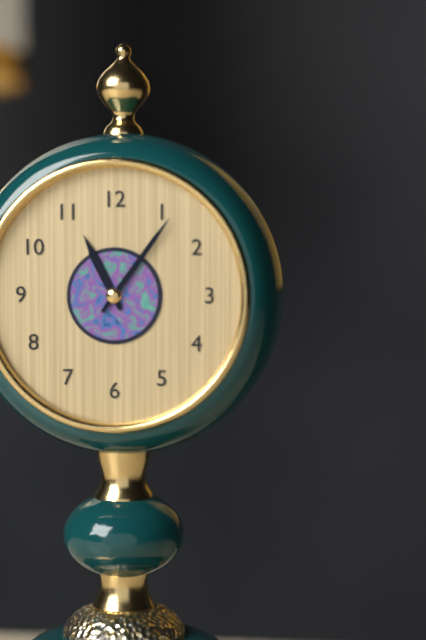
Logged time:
11h06
